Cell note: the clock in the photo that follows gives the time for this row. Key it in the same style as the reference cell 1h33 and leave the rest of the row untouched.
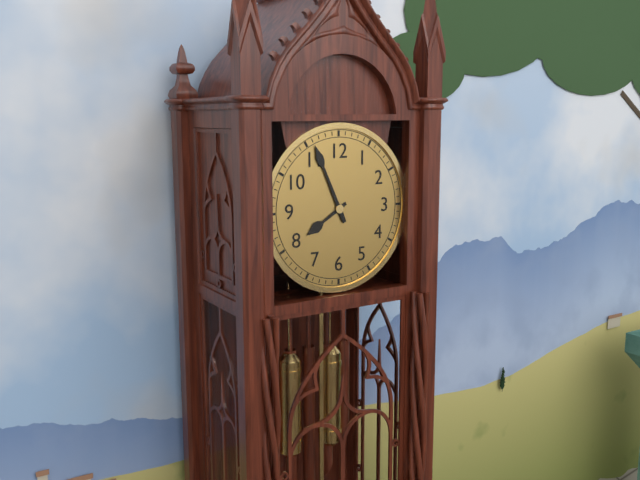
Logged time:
7h56
